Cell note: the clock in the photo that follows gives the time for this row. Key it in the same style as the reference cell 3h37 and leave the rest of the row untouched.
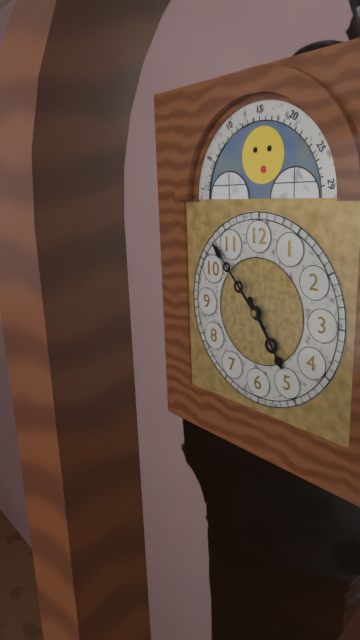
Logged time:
4h53
